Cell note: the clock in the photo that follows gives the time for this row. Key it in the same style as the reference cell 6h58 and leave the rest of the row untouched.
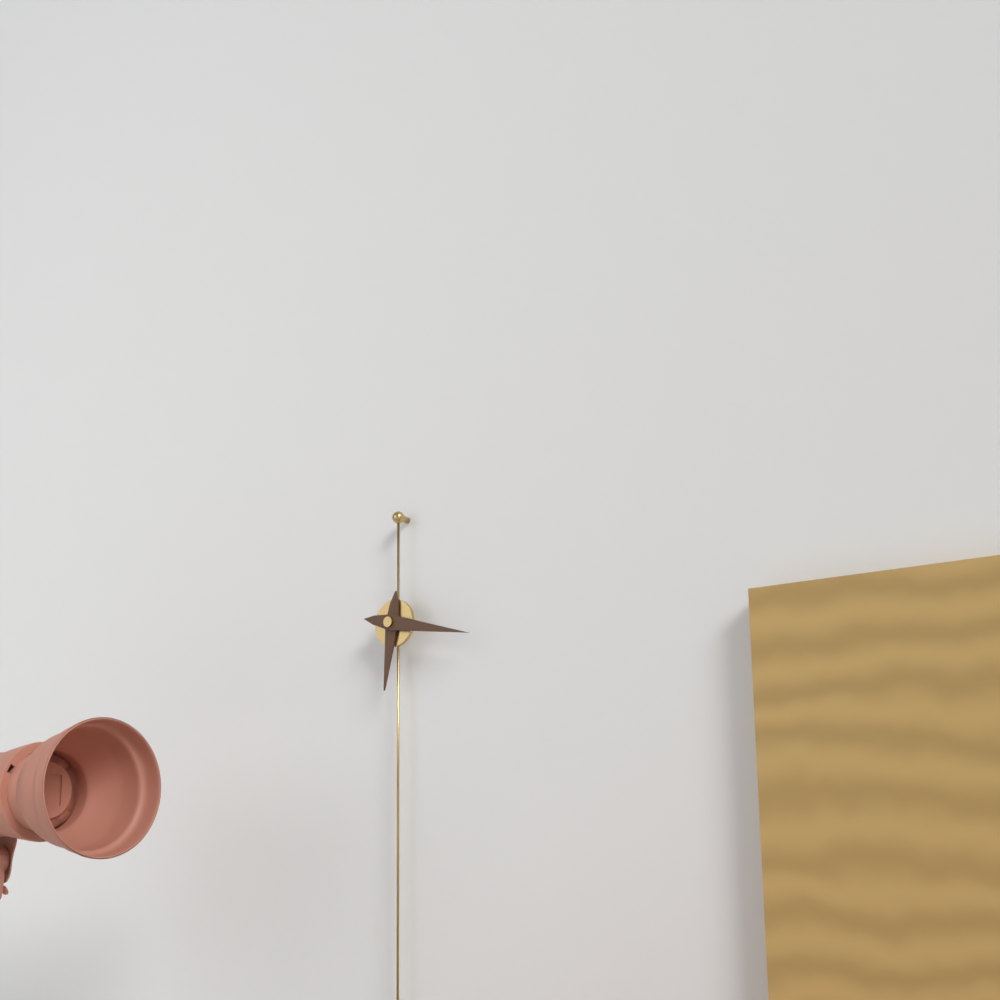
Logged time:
6h17
